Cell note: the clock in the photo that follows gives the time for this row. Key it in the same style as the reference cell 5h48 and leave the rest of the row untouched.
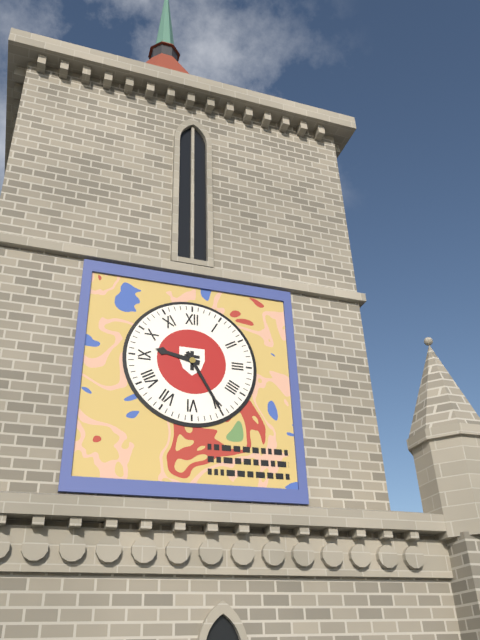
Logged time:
9h25
